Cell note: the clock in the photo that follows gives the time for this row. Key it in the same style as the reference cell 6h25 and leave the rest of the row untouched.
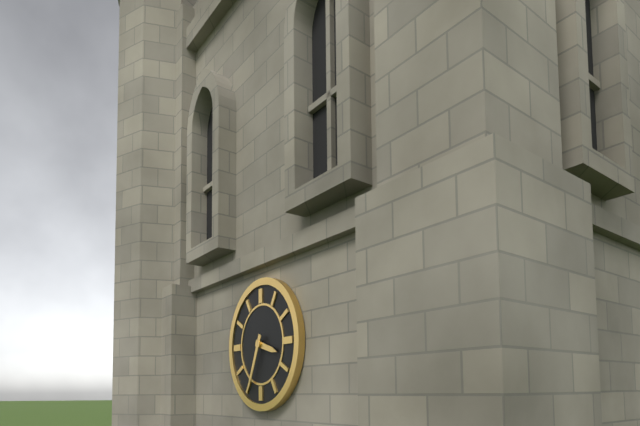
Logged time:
3h34
